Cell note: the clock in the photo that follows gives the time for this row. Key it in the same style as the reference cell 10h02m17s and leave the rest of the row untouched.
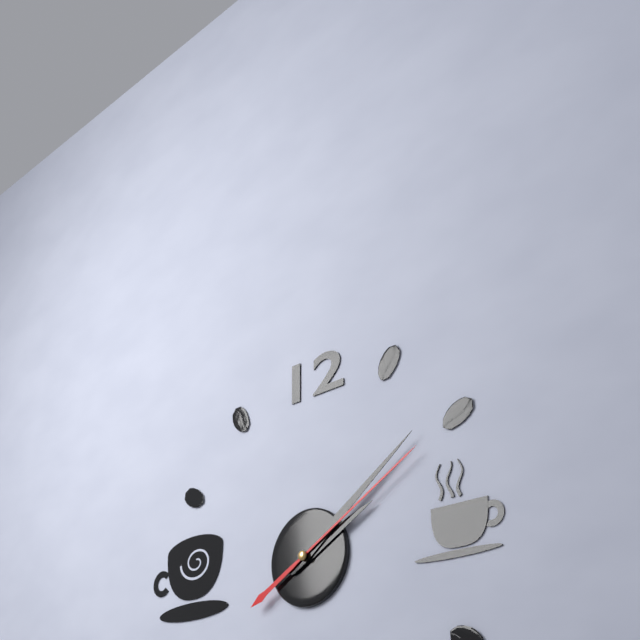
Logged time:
2h09m10s
